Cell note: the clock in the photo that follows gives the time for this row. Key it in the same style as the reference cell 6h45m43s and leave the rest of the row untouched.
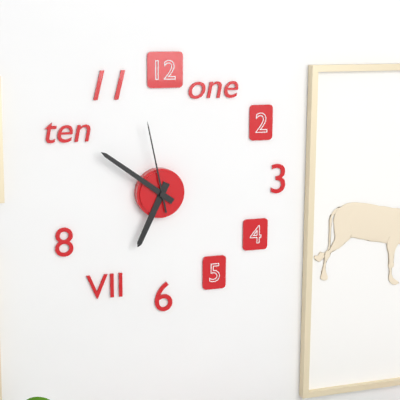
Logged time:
6h51m58s
